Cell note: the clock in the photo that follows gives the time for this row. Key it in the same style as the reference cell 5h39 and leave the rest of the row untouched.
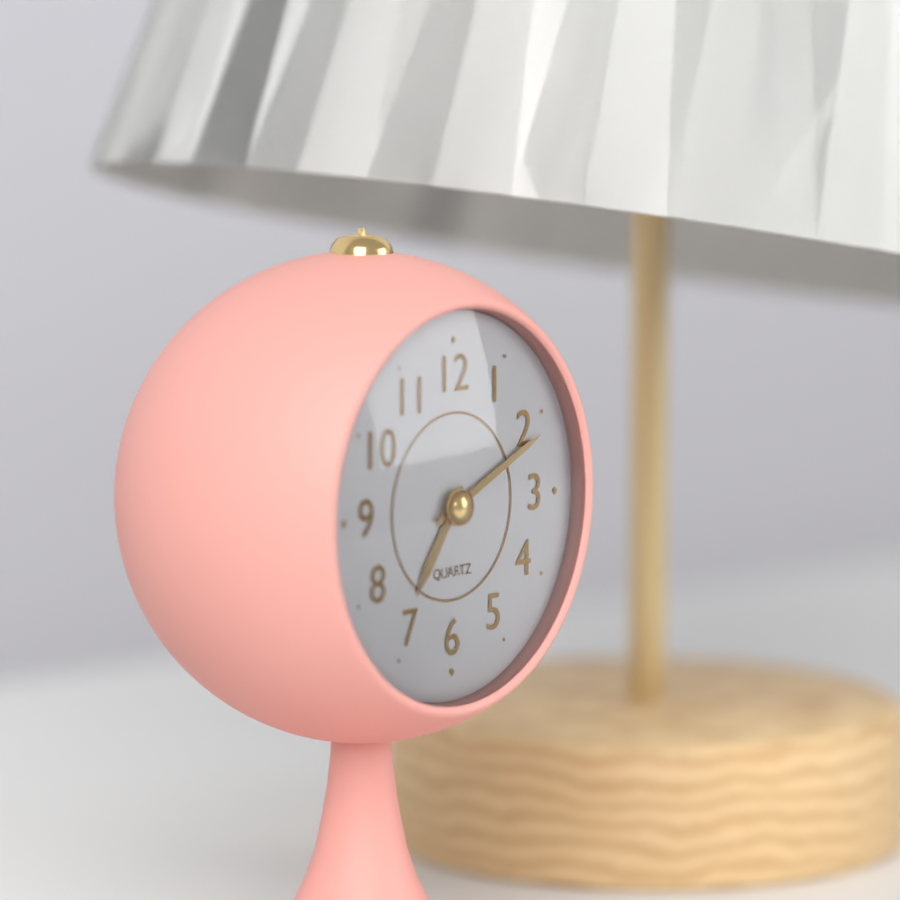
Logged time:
7h11
